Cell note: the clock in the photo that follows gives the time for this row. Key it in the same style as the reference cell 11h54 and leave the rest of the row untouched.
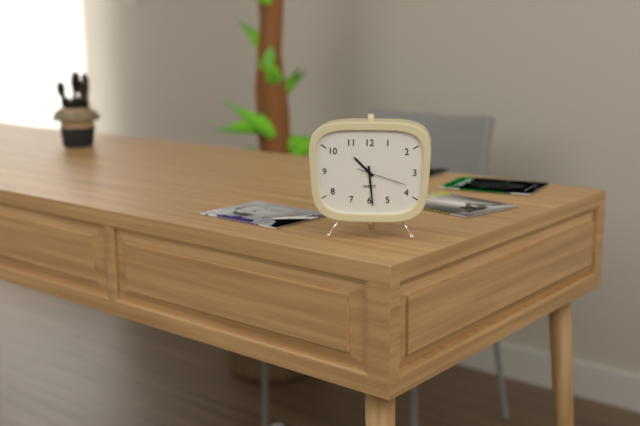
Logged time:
10h29
